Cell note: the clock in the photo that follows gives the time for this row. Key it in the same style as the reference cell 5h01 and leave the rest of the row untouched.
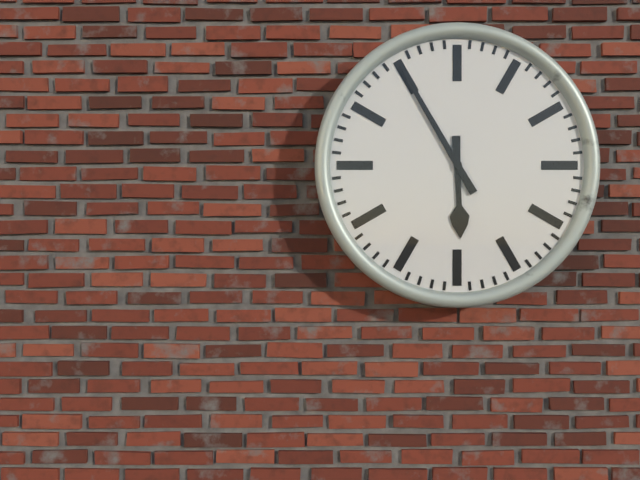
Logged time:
5h55
